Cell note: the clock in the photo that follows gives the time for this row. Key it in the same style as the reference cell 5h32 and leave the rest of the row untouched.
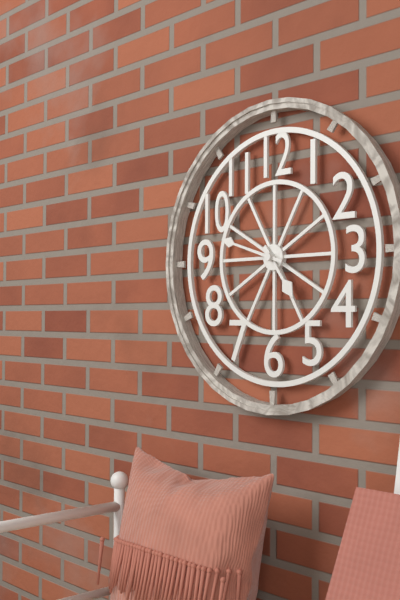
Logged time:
4h48
